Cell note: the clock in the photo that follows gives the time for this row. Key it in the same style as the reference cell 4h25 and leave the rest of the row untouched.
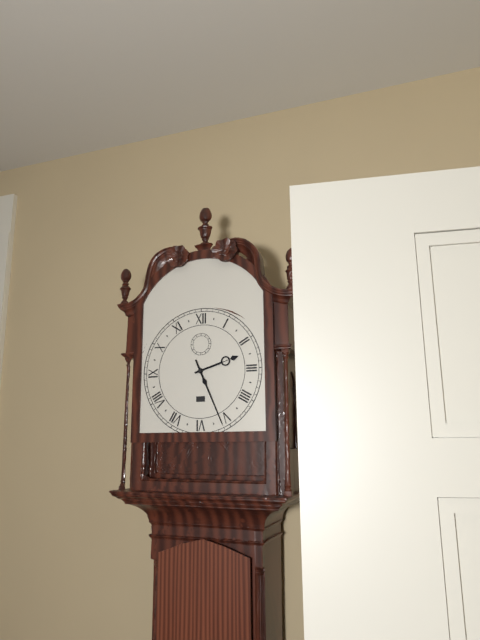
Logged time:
2h26
